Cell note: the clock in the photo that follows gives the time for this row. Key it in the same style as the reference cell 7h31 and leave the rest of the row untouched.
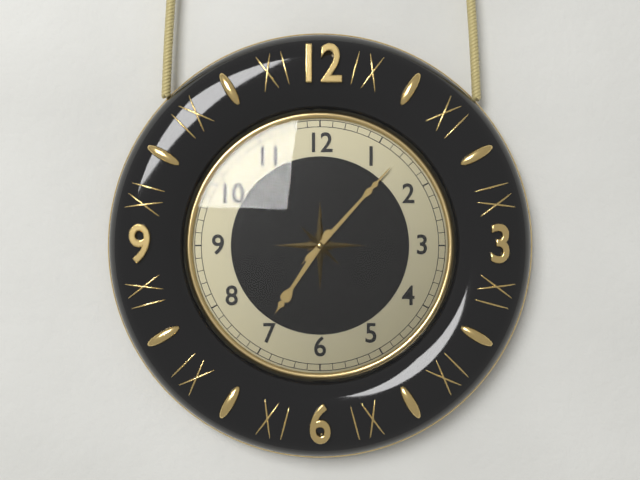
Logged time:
7h07
